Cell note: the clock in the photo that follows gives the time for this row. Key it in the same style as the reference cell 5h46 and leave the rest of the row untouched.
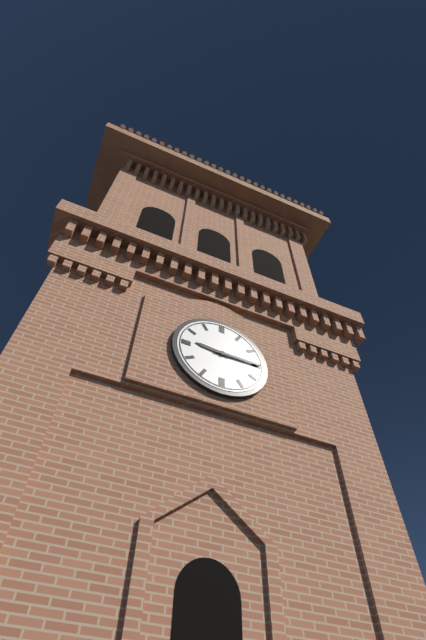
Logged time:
9h15
